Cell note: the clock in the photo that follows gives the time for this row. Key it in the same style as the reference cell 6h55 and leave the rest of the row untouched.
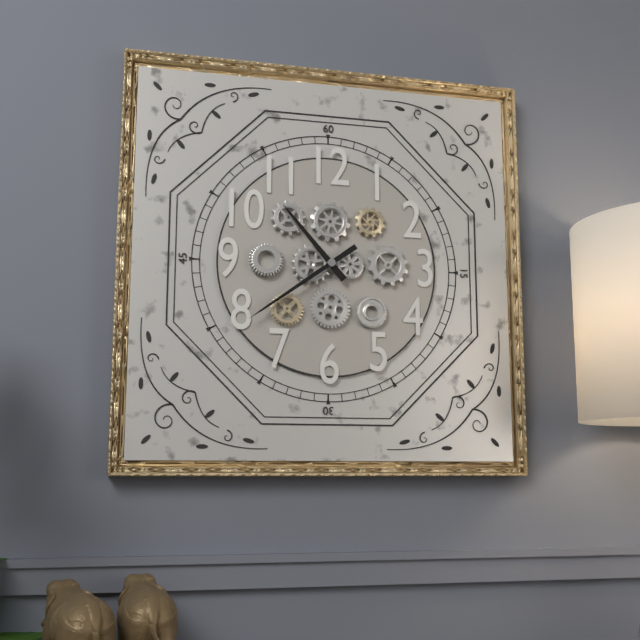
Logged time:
10h39
